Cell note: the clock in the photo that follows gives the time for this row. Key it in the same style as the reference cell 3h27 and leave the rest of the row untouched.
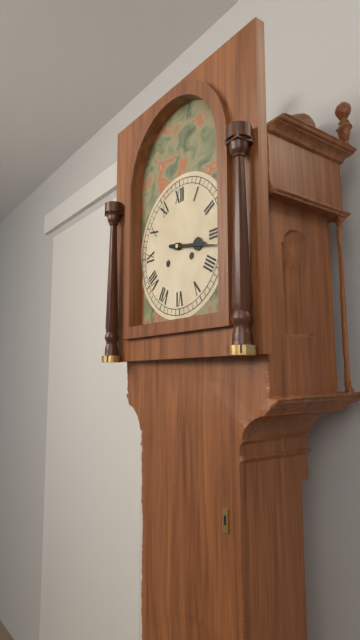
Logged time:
3h17
